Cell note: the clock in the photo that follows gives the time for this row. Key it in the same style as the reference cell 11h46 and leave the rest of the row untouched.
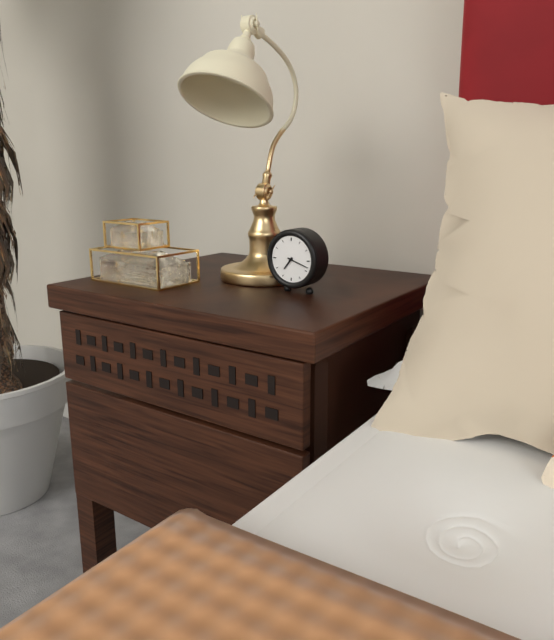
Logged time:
7h18
